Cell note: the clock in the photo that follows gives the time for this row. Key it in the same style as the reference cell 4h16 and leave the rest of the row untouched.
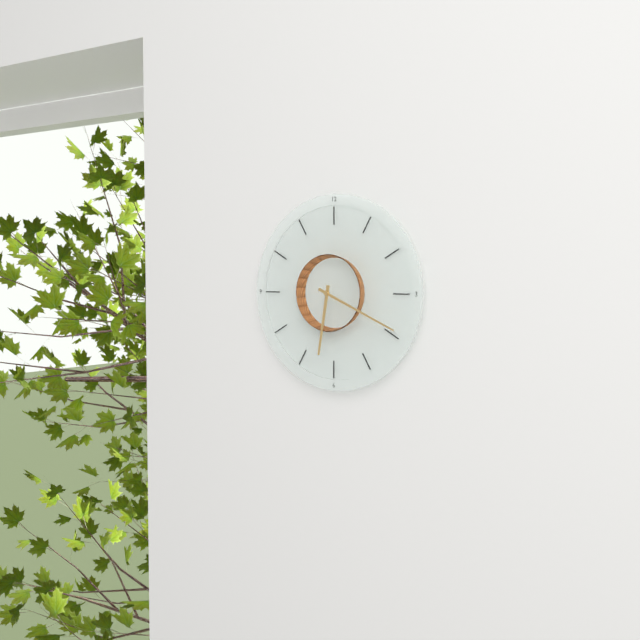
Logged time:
6h19
